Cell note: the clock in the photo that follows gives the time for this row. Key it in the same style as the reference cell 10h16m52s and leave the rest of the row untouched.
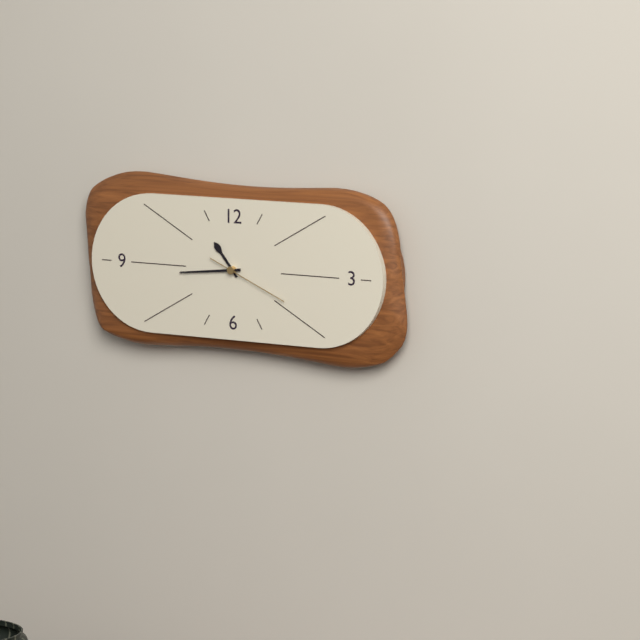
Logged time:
10h44m19s
